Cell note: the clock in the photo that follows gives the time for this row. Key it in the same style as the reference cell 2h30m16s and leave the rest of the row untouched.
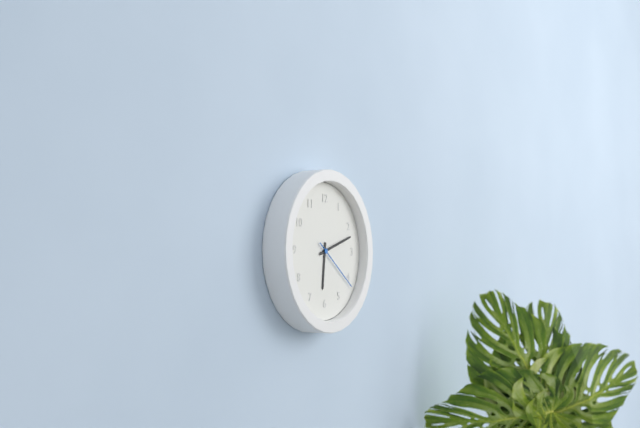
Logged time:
6h12m21s
